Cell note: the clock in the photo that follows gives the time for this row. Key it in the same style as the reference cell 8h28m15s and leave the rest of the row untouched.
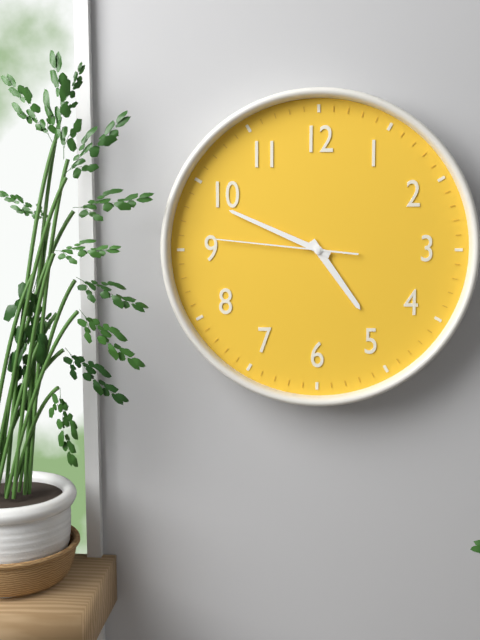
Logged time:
4h49m46s
